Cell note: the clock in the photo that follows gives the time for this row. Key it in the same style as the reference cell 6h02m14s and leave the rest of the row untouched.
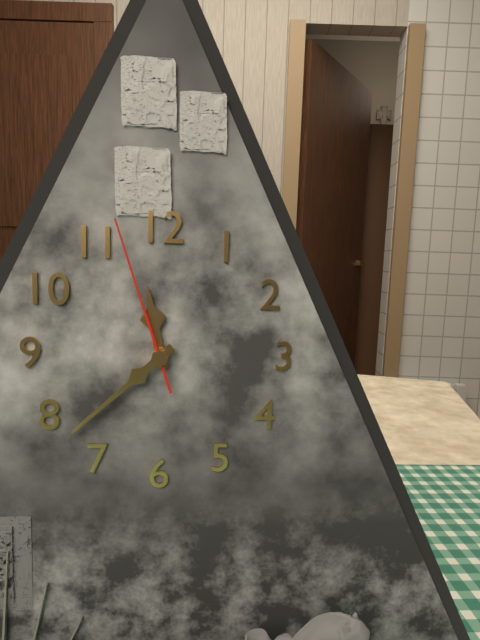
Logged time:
11h38m57s
